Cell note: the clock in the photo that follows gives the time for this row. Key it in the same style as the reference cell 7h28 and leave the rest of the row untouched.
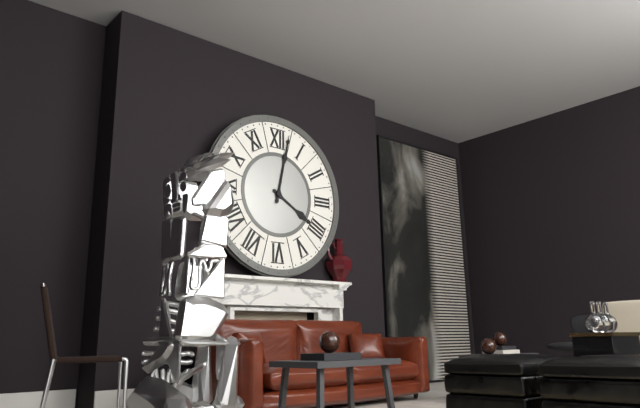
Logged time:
4h02
